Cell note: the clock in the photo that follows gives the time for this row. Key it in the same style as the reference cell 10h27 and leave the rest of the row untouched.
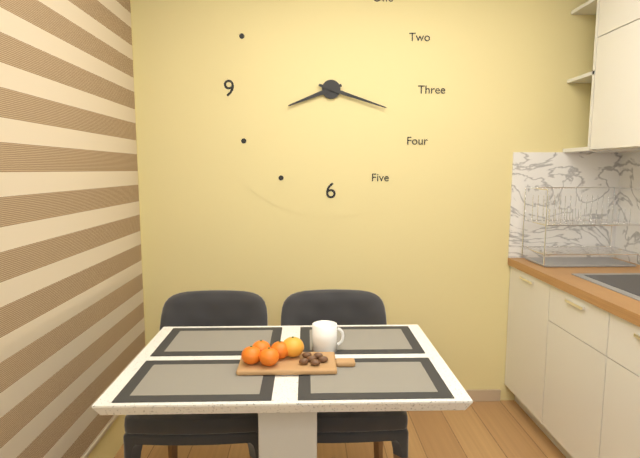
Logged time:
8h18
